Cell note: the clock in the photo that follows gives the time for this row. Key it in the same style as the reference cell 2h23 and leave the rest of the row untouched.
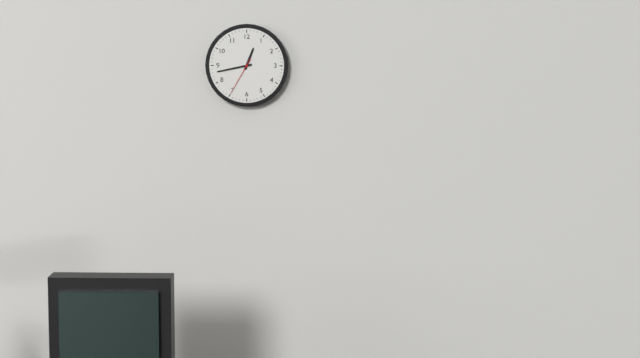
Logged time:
12h43
